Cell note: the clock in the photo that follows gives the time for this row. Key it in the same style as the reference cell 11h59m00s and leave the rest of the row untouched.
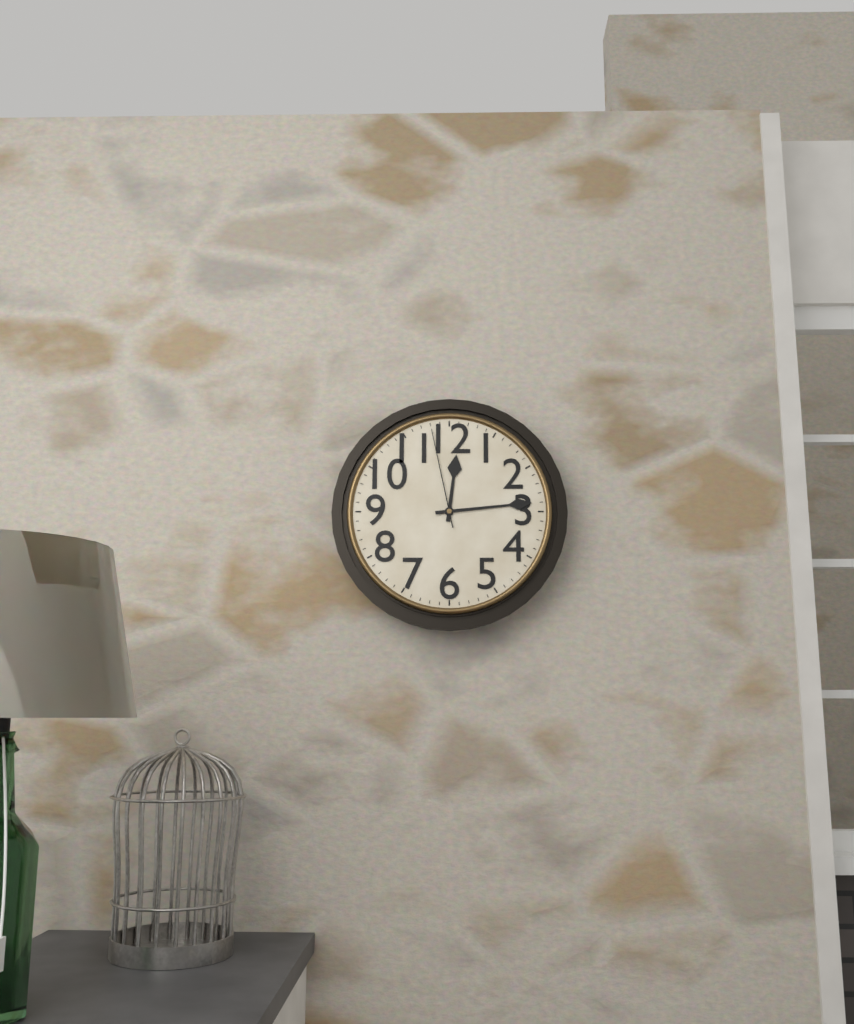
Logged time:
12h14m58s
